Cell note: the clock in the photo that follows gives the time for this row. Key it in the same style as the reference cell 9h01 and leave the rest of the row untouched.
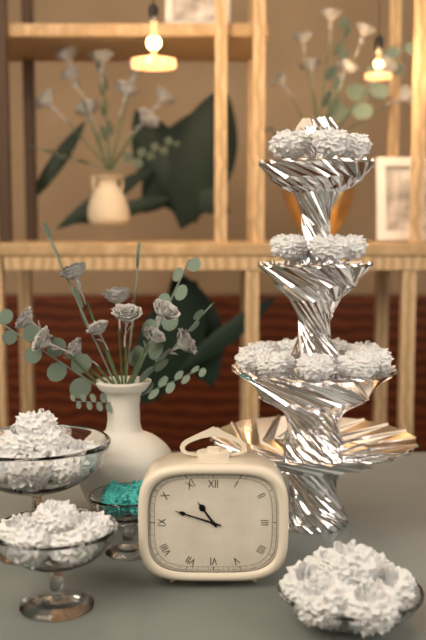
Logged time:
10h48
